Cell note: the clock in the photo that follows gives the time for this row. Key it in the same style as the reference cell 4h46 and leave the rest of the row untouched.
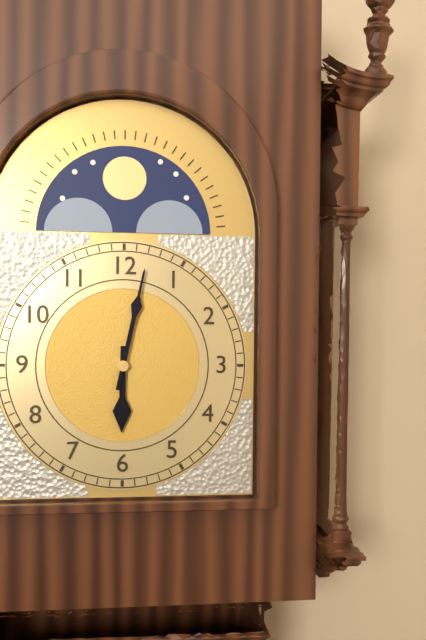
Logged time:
6h02
